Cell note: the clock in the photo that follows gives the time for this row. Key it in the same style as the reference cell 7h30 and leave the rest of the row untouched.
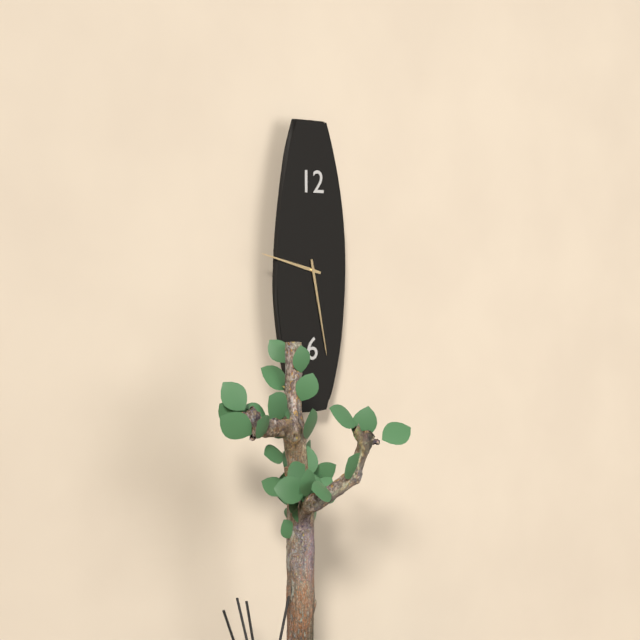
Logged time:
9h28
